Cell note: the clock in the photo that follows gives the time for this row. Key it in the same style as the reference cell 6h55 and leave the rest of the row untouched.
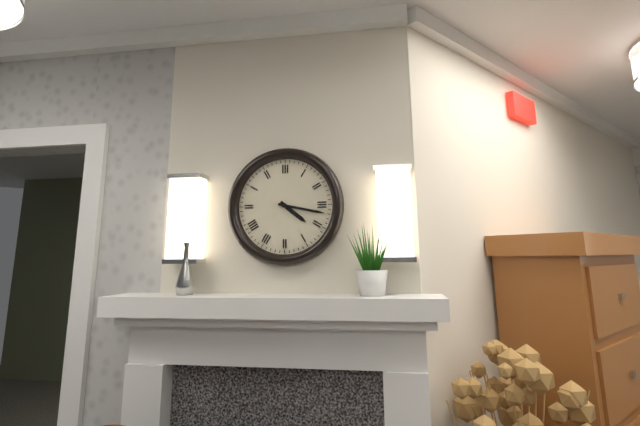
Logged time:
4h17
